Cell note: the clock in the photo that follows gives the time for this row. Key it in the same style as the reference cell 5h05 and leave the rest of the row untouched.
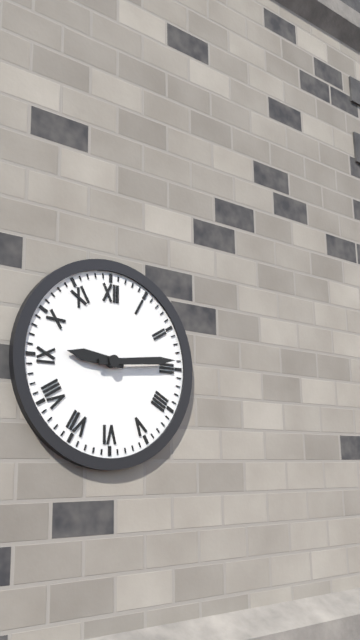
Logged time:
9h14
